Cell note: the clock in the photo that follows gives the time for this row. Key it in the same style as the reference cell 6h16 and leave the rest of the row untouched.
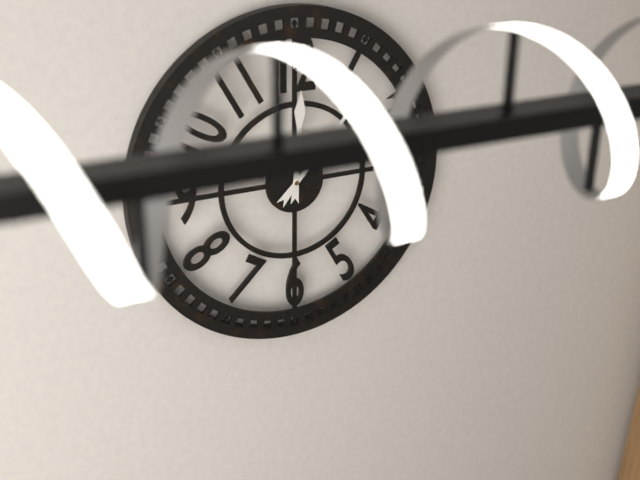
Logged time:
12h07
